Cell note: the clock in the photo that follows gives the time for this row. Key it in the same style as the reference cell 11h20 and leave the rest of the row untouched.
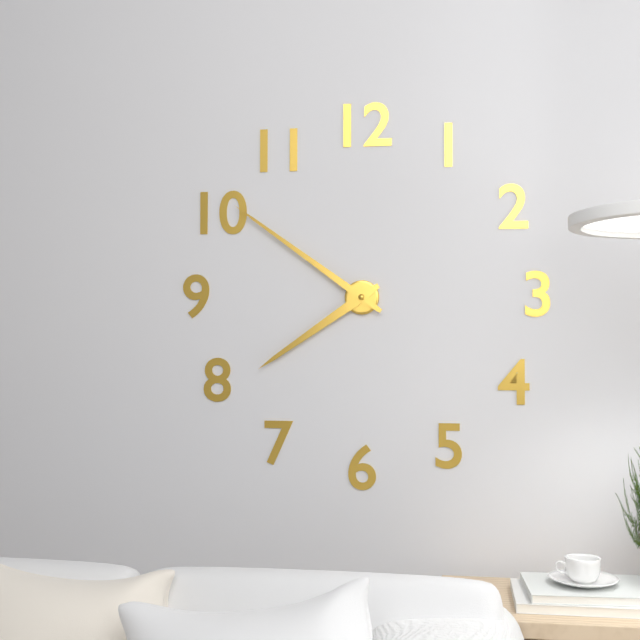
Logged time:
7h51
